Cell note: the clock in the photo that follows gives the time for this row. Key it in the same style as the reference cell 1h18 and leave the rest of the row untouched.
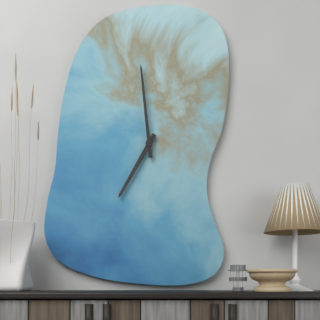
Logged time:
6h59
